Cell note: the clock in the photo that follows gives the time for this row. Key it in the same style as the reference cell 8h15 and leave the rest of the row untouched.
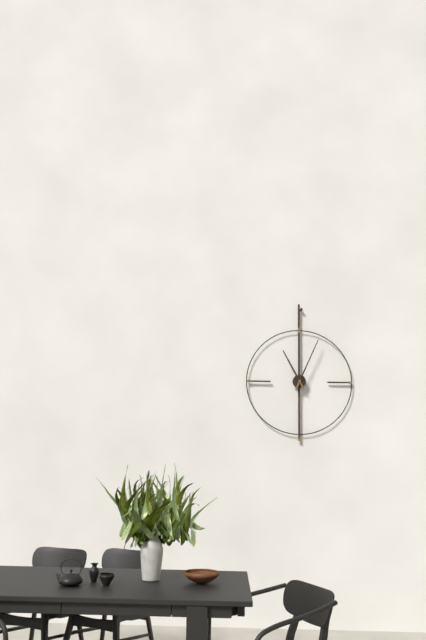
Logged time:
11h04
